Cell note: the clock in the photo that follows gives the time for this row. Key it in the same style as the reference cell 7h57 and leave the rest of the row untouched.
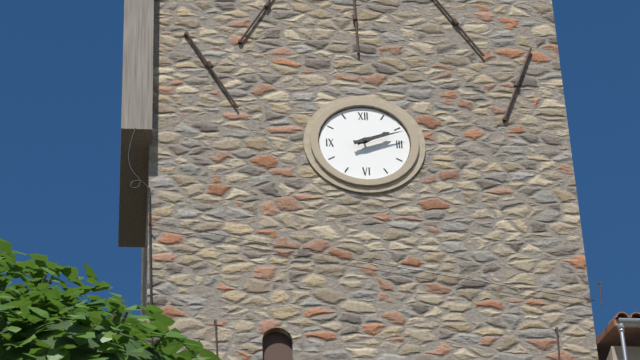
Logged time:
2h12
